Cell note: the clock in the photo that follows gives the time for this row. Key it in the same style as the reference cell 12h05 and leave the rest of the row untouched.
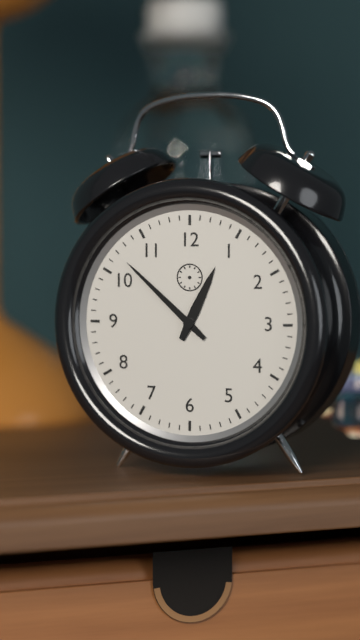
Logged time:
12h52
